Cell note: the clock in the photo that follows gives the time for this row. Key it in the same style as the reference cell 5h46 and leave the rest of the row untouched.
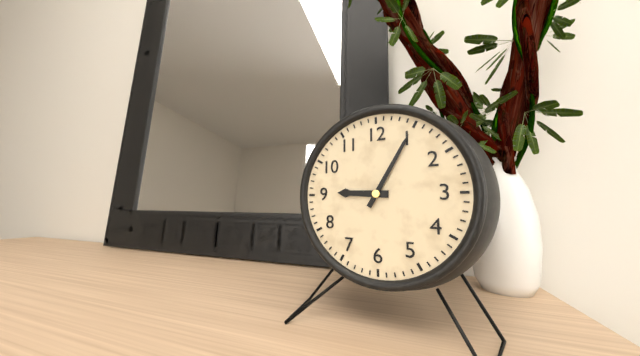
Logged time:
9h05
